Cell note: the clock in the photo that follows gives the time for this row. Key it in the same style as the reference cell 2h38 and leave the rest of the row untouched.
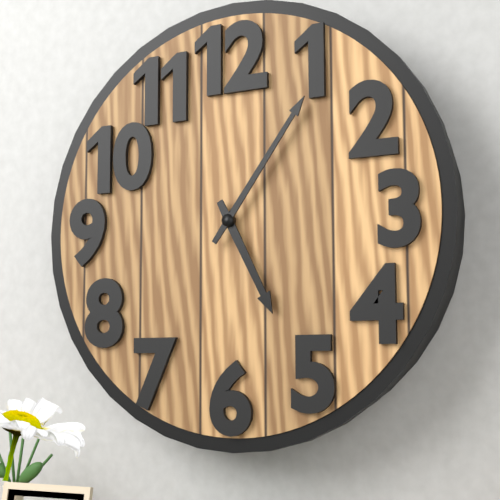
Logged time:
5h06
